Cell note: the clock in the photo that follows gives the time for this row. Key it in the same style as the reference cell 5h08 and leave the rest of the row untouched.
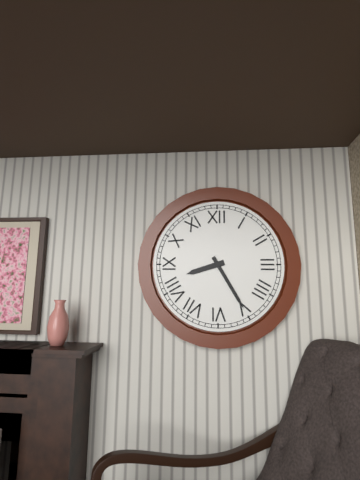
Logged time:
8h25
